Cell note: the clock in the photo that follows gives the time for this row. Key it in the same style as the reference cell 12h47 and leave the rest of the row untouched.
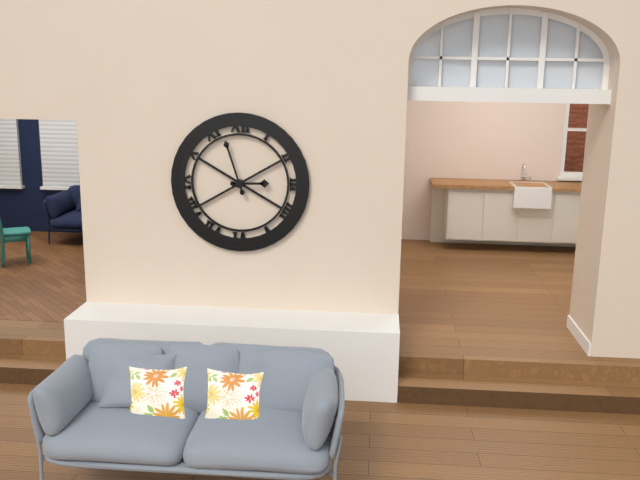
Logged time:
2h57
